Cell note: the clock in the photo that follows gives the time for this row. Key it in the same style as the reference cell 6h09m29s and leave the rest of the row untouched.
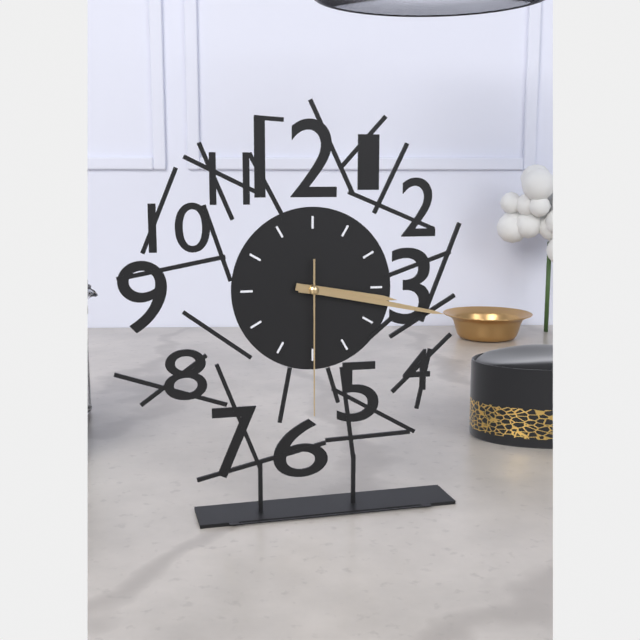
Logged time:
3h17m30s
